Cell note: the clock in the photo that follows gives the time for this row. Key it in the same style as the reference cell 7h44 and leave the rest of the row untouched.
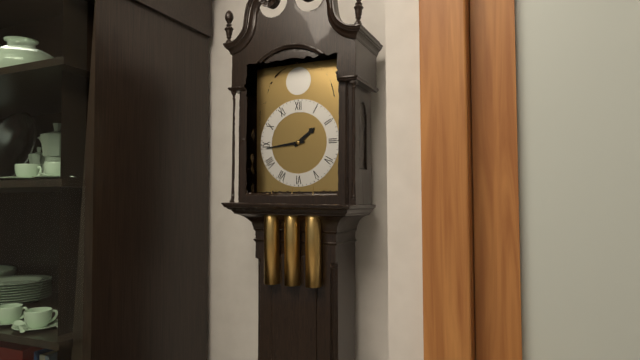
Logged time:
1h44
